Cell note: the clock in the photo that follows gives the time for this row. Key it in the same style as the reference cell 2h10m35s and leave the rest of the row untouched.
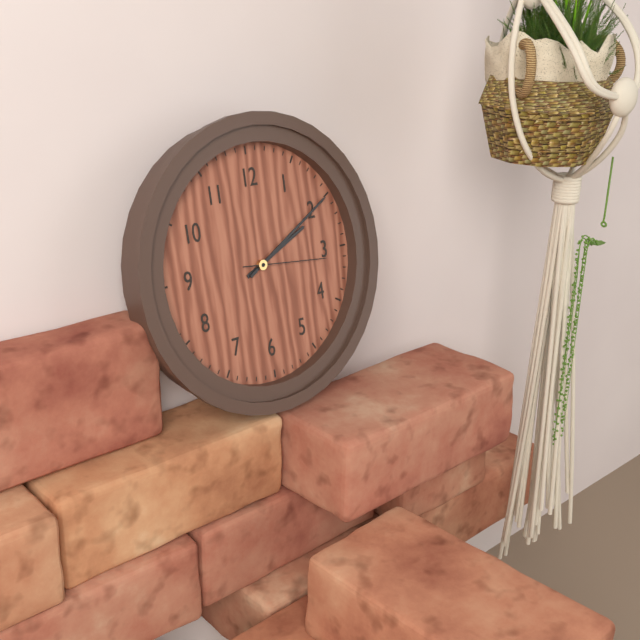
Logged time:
2h10m16s
